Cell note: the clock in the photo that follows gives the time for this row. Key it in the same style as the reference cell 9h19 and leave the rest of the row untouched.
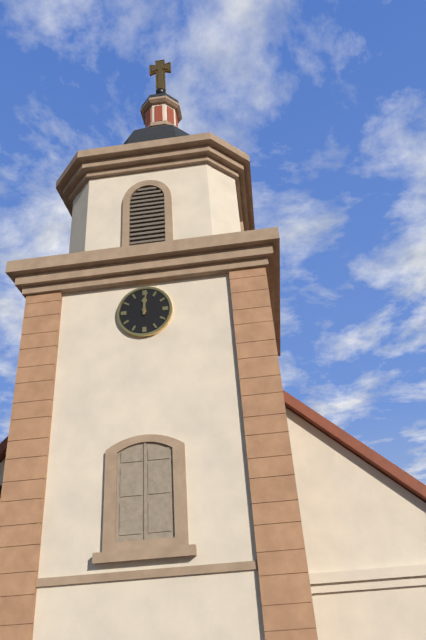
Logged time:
12h01
